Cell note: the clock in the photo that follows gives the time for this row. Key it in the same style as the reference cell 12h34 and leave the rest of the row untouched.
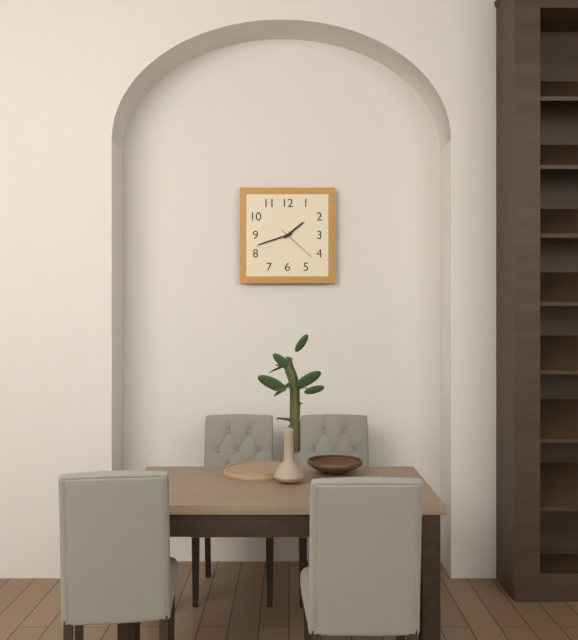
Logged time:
1h42
